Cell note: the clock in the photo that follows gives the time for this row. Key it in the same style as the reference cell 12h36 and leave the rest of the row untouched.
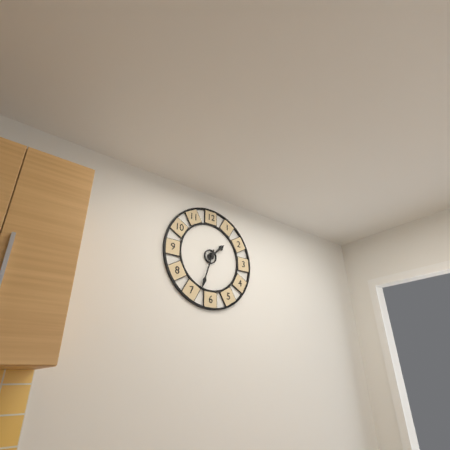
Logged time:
1h33
